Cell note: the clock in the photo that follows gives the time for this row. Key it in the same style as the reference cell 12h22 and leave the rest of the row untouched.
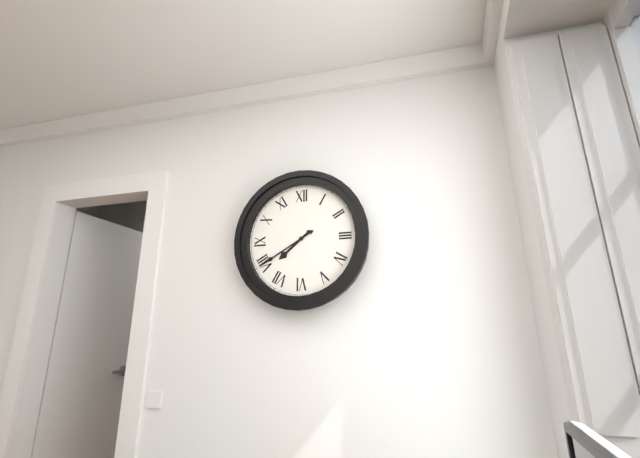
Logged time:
7h40
